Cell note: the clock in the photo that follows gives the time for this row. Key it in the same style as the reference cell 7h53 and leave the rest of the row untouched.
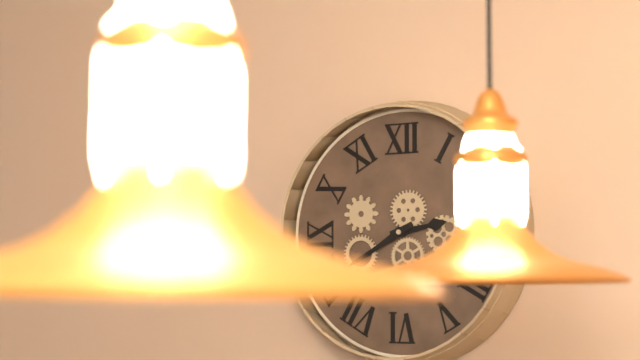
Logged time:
2h40
